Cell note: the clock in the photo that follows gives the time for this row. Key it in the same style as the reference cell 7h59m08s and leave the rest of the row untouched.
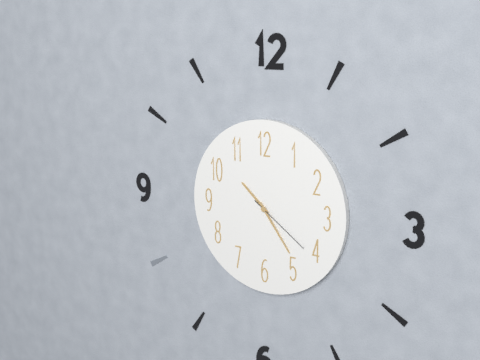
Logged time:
10h24m21s
